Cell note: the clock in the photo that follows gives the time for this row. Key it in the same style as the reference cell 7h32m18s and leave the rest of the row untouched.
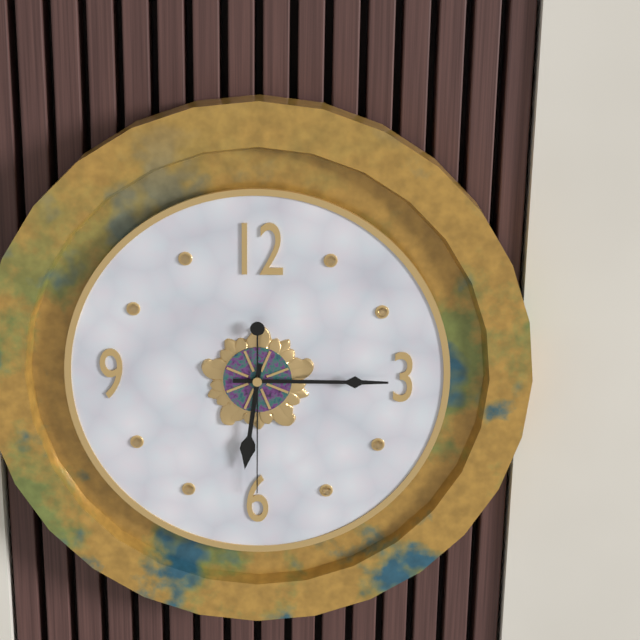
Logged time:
6h15m30s
